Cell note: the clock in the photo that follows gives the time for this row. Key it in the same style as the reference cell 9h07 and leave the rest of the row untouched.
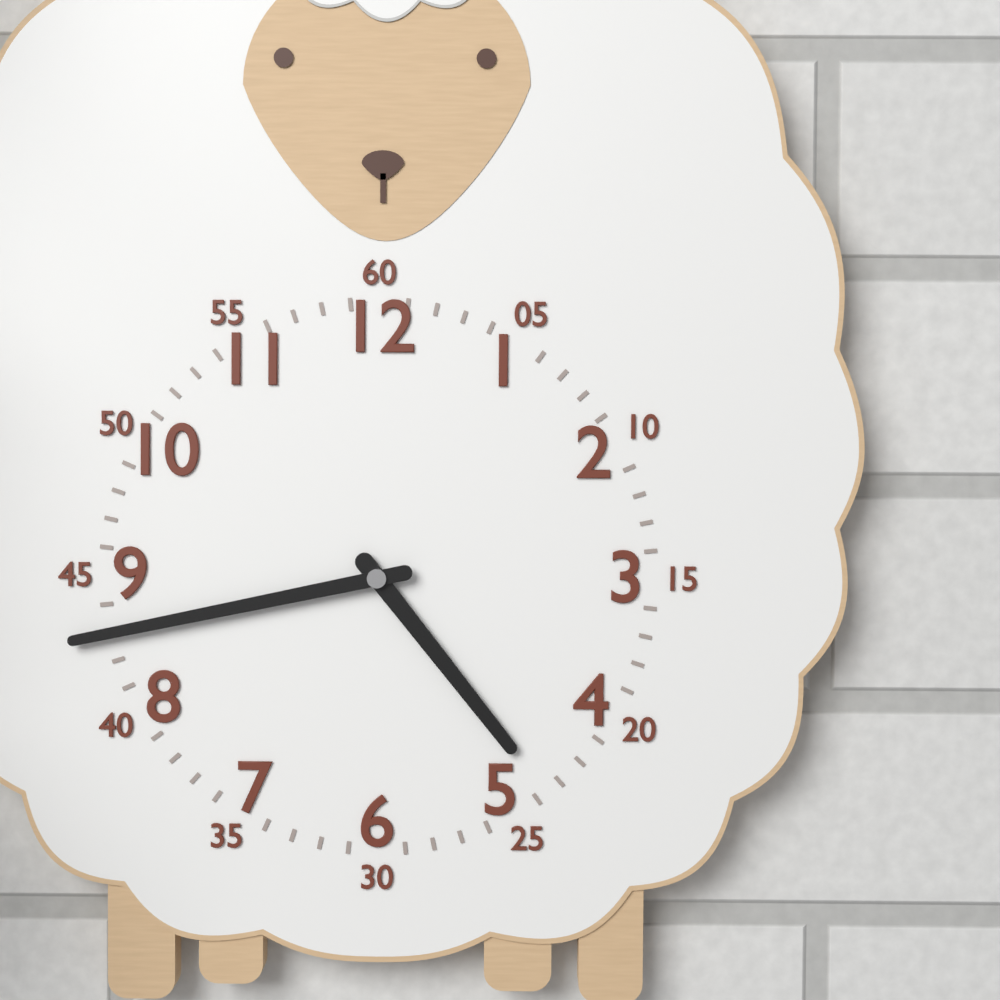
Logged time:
4h43
